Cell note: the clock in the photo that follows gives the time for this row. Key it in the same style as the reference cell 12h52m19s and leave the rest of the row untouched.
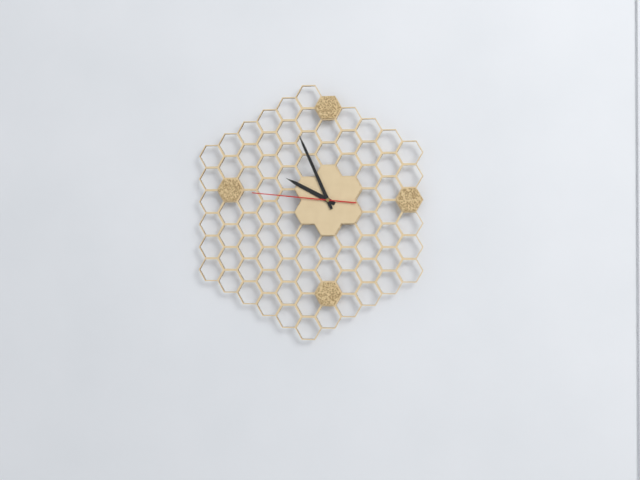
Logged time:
9h56m46s
